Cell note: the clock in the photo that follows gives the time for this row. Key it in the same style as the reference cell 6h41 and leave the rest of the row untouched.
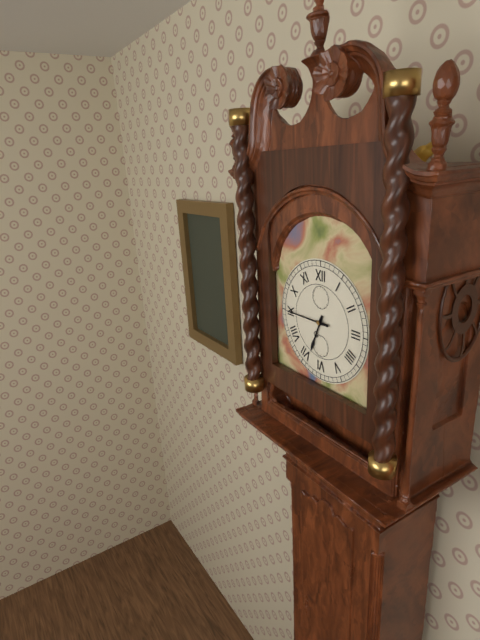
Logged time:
6h45
